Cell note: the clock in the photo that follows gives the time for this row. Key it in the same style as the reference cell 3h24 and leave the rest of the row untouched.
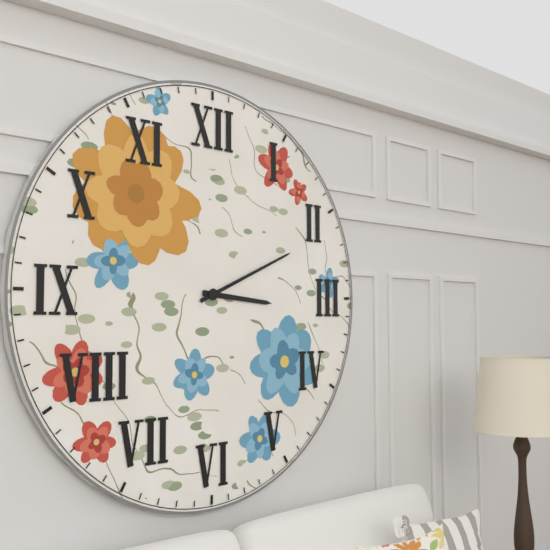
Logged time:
3h11
